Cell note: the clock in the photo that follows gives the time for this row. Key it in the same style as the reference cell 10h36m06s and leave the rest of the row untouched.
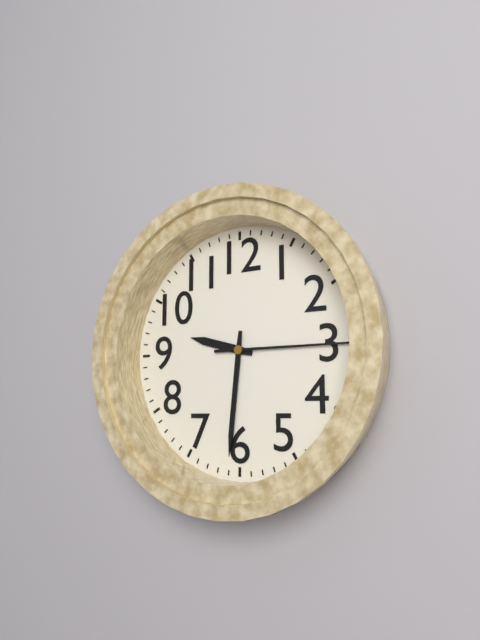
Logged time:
9h31m15s
